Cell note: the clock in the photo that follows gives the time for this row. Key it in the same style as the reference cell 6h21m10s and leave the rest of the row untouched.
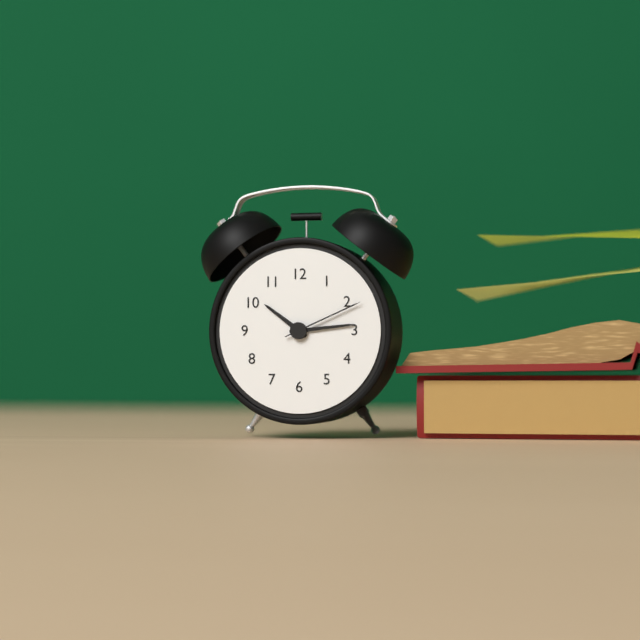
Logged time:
10h14m11s
